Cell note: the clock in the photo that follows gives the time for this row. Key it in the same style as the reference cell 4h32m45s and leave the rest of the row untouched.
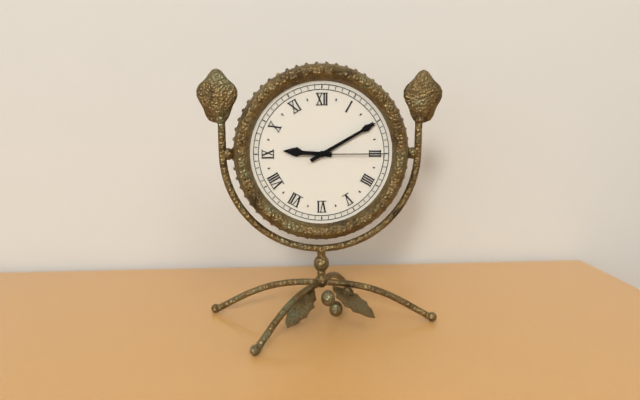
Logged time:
9h10m15s
